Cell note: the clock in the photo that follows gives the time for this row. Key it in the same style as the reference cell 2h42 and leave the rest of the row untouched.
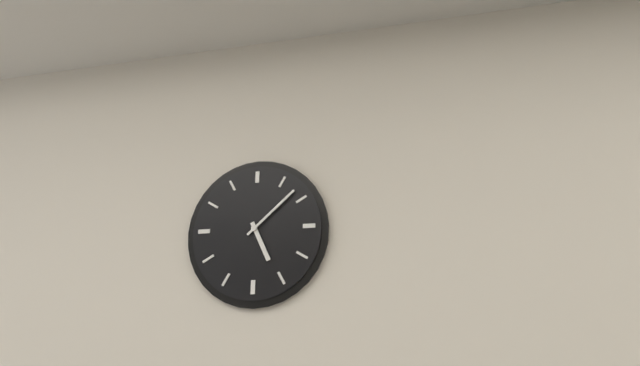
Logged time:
5h08
